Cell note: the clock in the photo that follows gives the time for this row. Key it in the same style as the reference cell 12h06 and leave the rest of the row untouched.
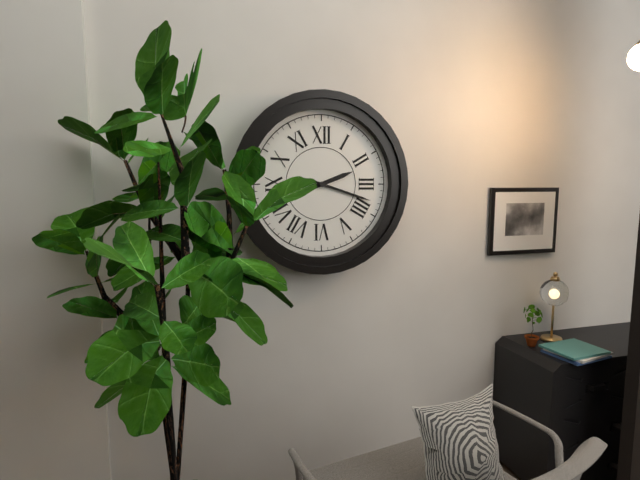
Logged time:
2h18
